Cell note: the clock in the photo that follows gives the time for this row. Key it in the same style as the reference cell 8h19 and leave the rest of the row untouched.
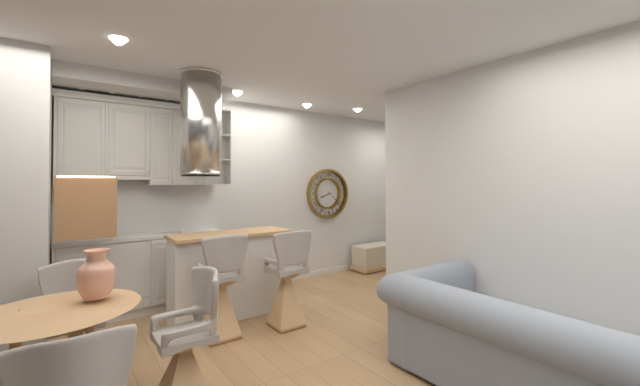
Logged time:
8h22
